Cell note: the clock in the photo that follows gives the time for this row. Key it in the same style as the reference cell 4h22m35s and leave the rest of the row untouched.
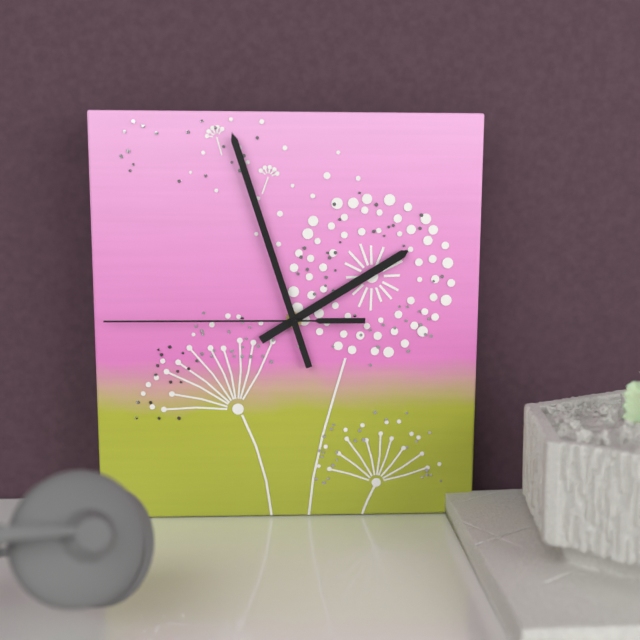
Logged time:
1h57m45s
